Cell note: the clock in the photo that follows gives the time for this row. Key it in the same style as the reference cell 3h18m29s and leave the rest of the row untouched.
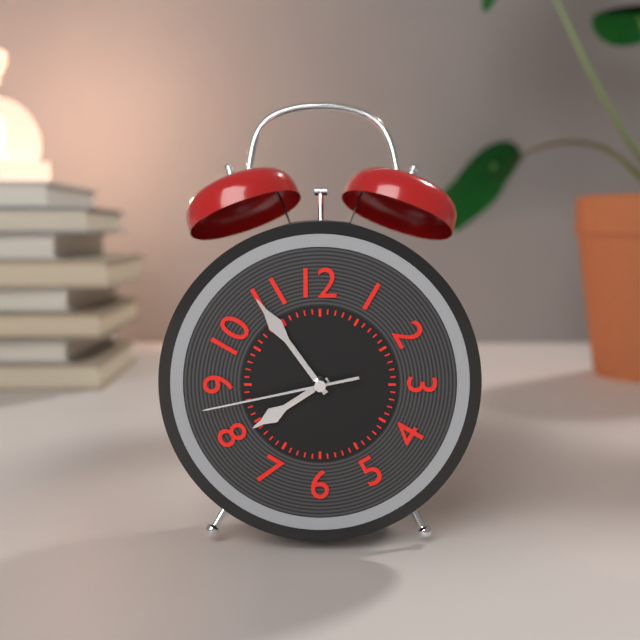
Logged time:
7h54m43s
